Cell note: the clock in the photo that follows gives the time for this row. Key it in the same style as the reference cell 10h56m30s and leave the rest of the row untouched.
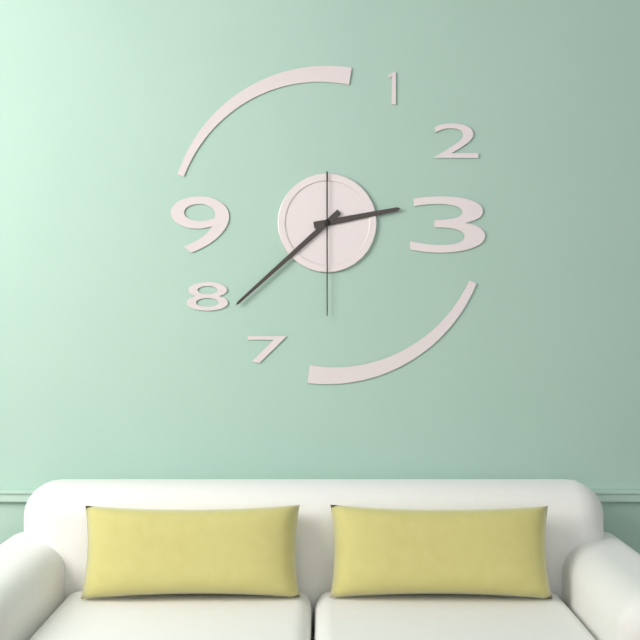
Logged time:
2h38m30s
